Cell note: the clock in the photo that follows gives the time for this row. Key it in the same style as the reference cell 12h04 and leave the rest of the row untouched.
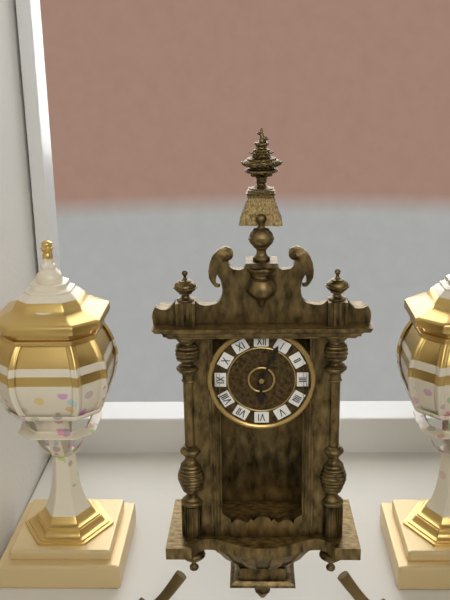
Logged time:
6h04
